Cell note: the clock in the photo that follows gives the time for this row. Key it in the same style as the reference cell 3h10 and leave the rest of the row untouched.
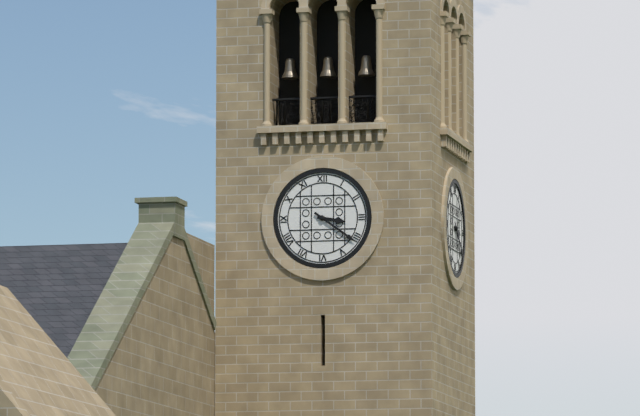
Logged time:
3h21
